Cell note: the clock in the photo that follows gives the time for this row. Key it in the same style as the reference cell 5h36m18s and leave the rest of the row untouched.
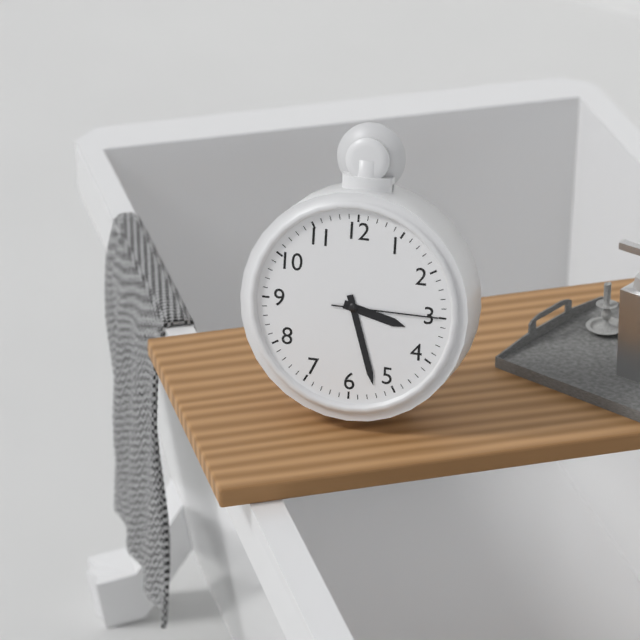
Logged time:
3h27m15s
